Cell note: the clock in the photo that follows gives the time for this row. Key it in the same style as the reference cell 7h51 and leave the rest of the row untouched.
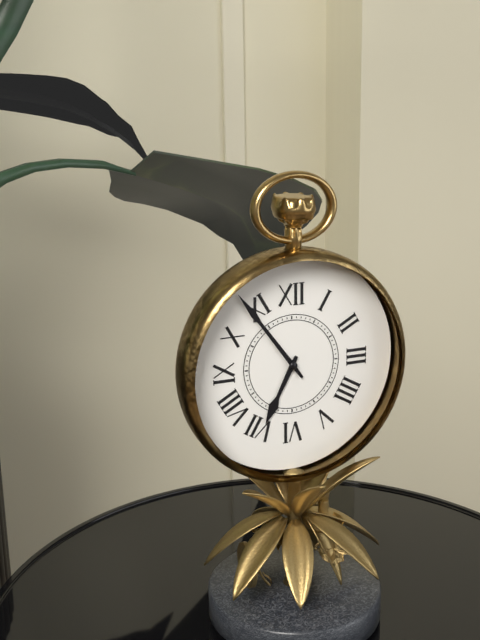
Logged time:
6h54
